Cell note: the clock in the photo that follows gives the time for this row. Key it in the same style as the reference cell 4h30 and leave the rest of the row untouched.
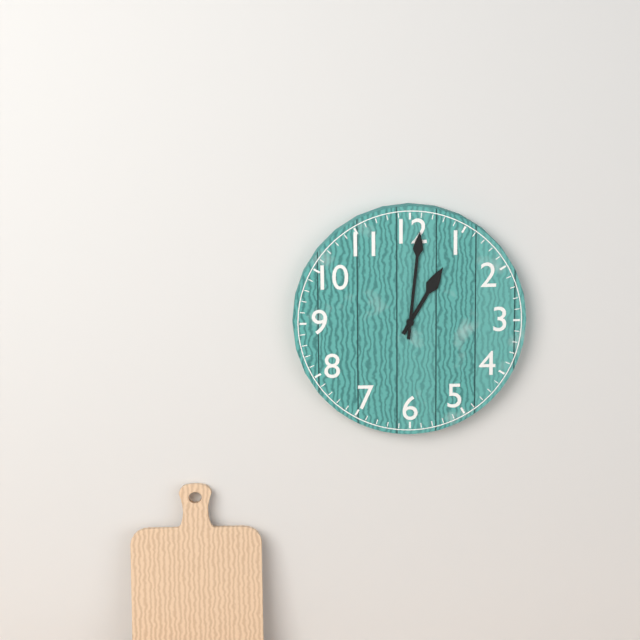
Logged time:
1h01
